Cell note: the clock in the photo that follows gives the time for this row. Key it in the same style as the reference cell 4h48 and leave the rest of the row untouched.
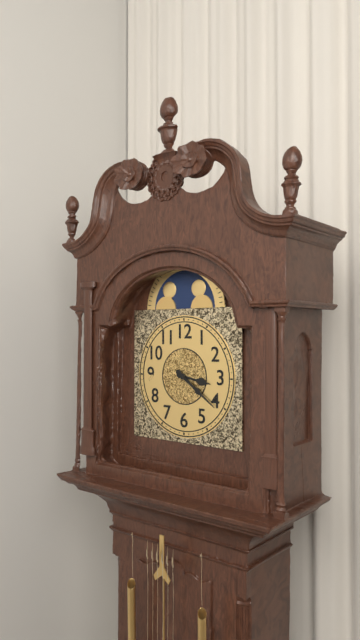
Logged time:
3h21
